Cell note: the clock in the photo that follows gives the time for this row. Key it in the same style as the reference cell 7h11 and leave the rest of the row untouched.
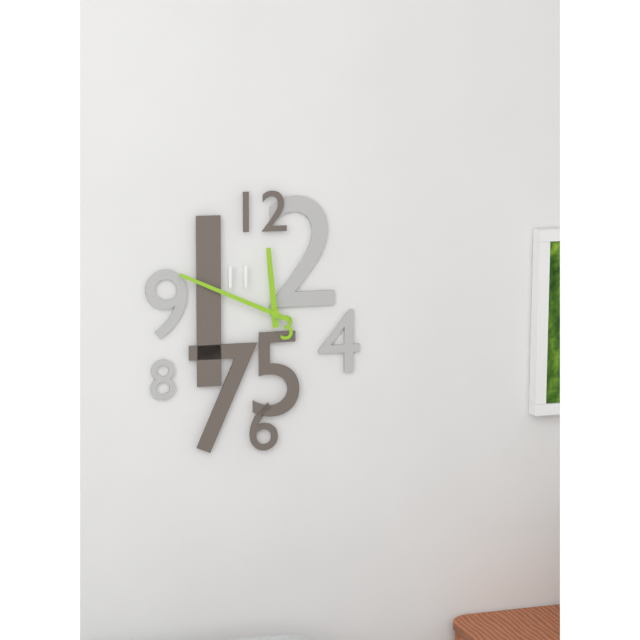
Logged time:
11h49
